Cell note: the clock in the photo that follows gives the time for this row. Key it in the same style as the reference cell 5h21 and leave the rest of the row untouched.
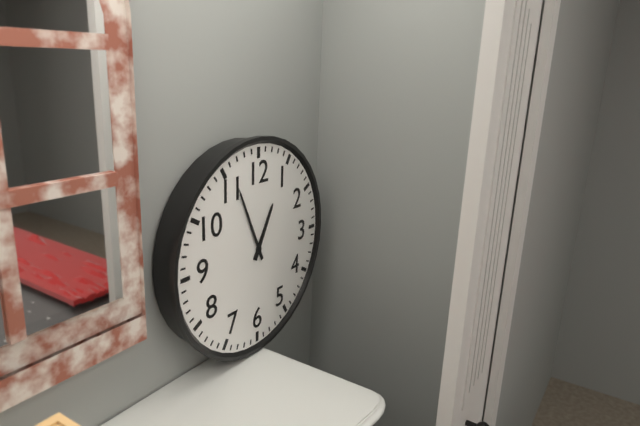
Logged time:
12h56
